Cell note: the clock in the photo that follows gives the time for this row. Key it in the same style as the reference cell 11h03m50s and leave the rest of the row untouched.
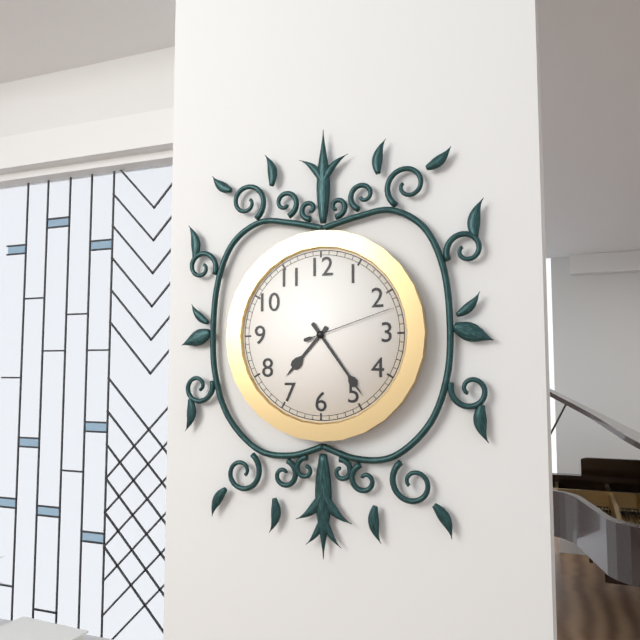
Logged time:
7h24m12s
